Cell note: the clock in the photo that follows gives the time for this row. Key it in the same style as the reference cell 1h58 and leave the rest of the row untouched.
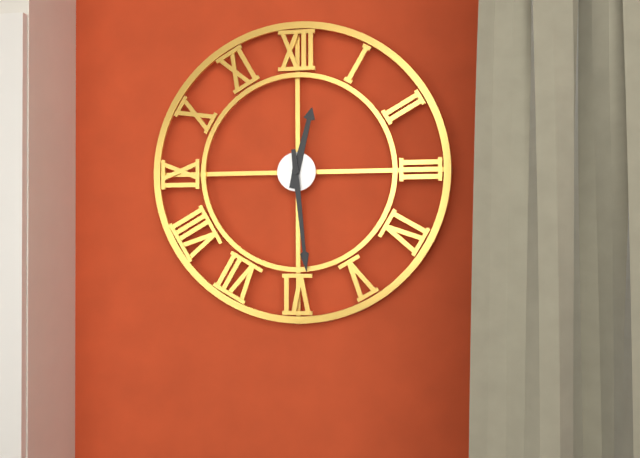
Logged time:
12h29
